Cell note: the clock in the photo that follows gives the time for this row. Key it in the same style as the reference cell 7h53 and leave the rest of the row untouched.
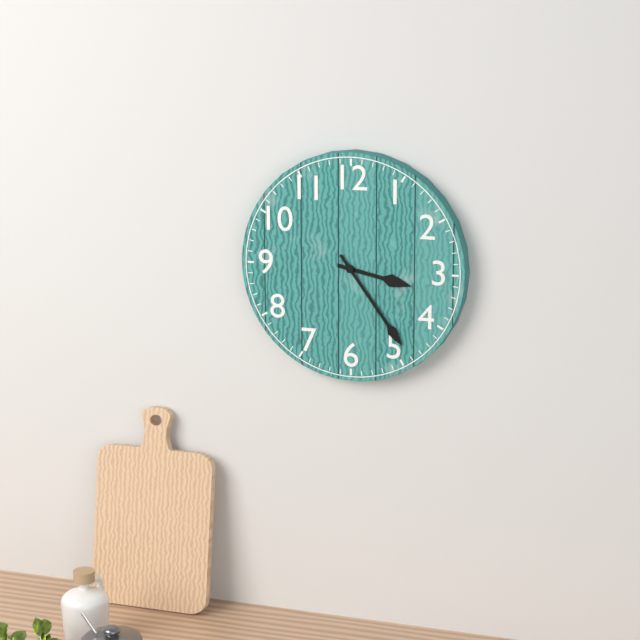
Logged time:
3h24
